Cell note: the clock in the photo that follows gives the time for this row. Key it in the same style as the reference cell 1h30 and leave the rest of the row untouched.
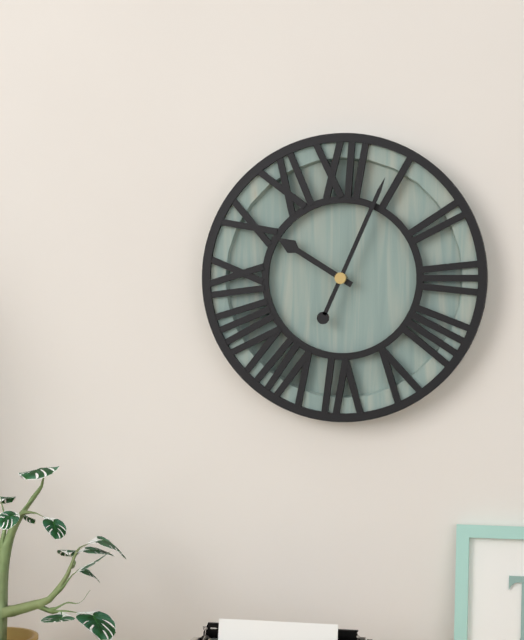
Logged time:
10h04
